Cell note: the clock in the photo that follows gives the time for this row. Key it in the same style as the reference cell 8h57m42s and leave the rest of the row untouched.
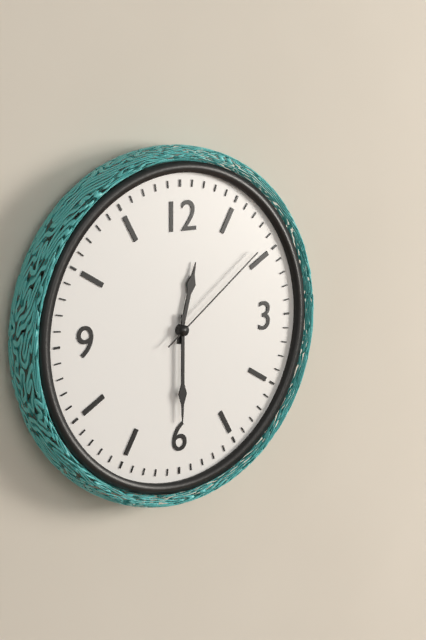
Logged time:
12h30m09s
